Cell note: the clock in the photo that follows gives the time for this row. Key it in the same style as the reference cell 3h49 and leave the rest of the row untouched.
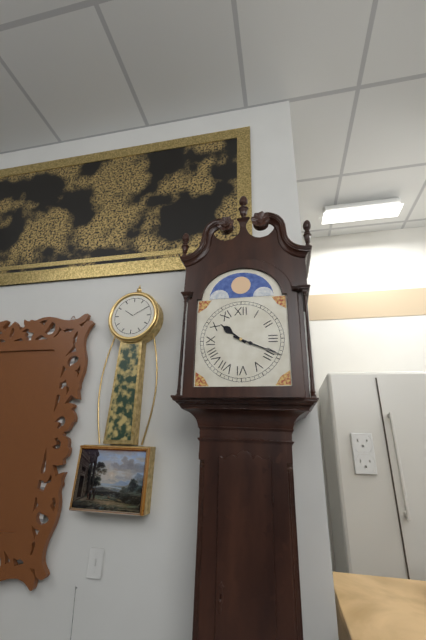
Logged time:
10h19
